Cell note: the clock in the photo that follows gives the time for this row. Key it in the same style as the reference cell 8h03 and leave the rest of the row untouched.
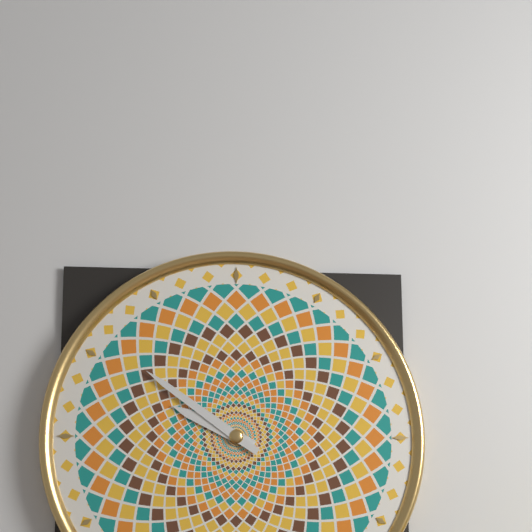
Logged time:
9h51
